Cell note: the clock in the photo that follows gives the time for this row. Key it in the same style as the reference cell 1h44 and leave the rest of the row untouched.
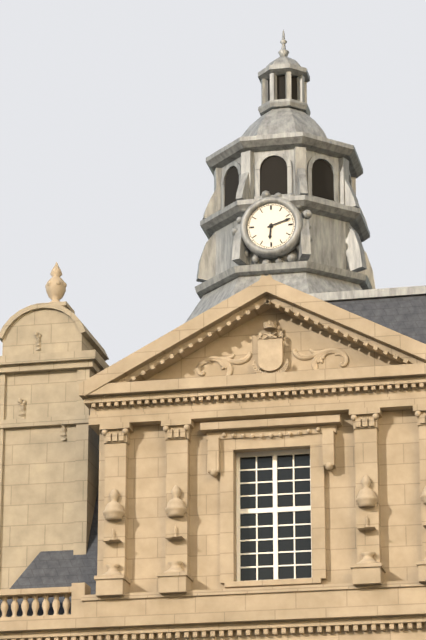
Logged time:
6h12
